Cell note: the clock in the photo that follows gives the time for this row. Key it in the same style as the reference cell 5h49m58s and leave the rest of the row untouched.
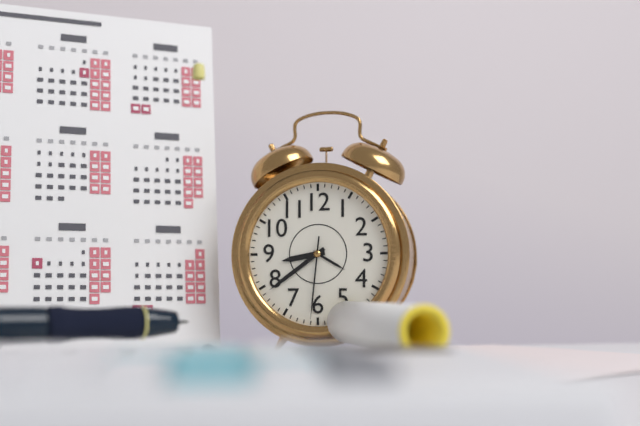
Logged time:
8h39m31s
